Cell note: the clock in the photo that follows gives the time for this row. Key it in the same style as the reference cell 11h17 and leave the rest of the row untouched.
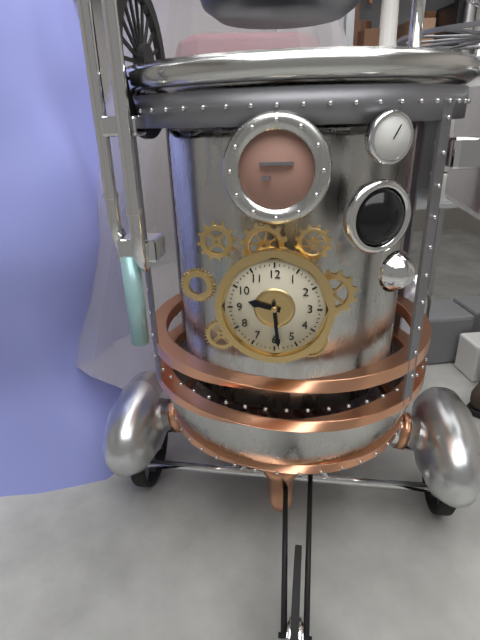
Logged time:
9h29
